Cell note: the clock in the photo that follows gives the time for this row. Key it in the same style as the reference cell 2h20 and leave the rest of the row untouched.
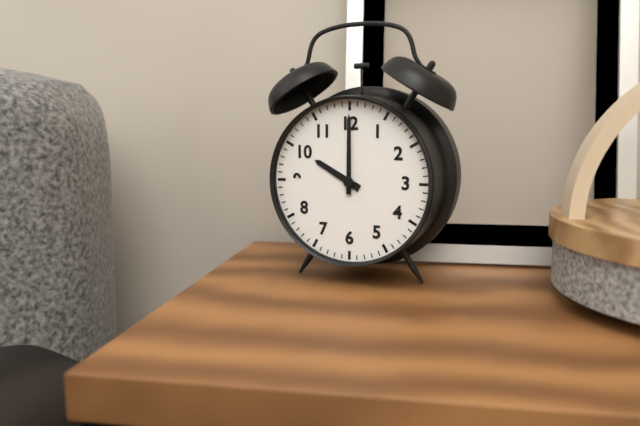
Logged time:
10h00
